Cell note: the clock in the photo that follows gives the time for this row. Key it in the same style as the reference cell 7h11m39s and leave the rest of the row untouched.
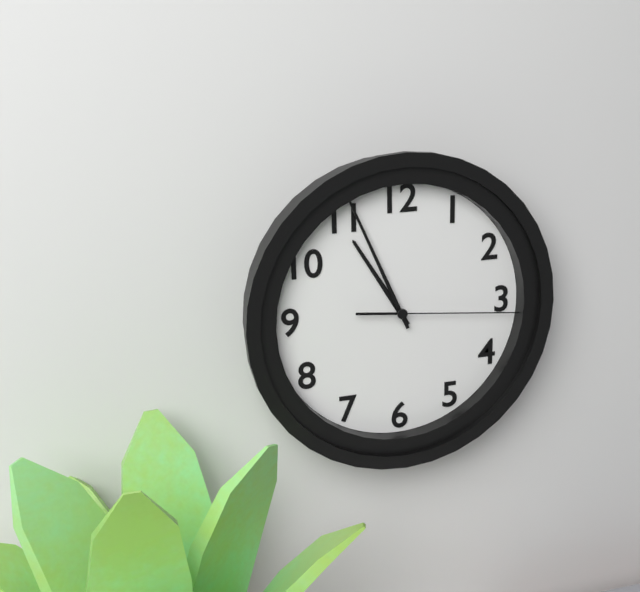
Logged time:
10h56m16s
